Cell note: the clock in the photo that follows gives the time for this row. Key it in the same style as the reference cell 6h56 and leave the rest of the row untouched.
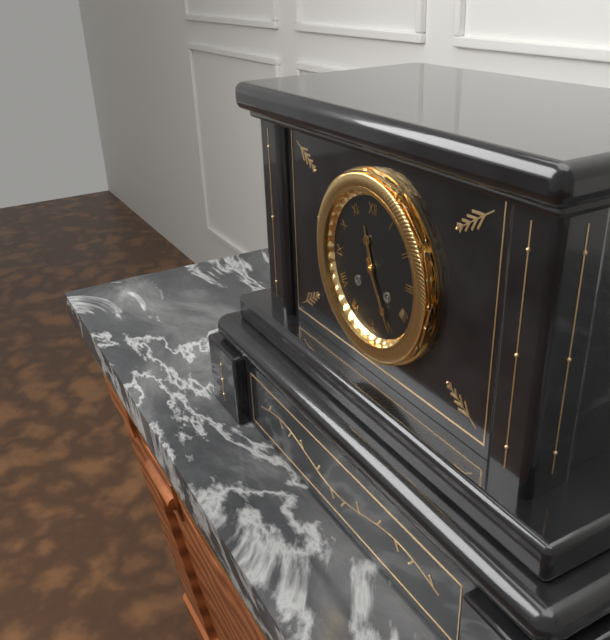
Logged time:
11h25
